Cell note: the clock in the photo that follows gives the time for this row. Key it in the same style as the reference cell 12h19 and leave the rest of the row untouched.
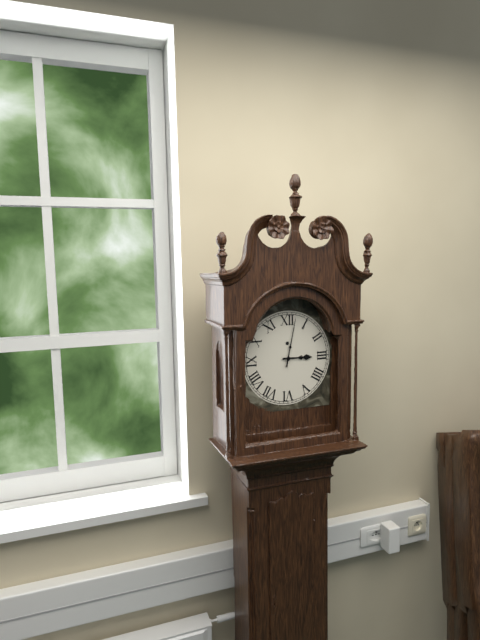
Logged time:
3h02
